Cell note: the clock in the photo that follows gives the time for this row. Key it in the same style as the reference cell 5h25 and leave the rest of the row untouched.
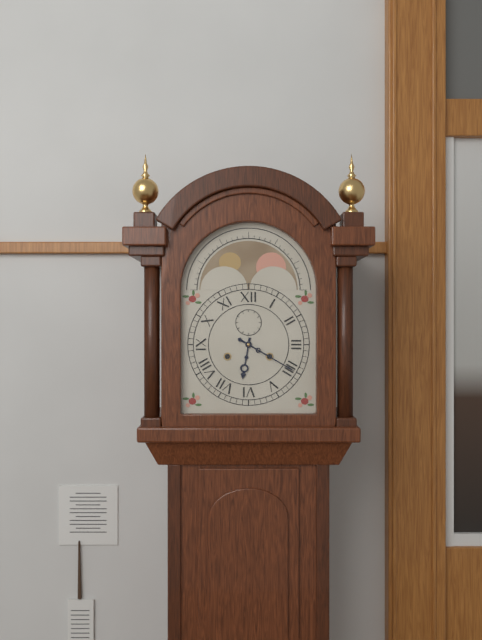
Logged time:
6h20
